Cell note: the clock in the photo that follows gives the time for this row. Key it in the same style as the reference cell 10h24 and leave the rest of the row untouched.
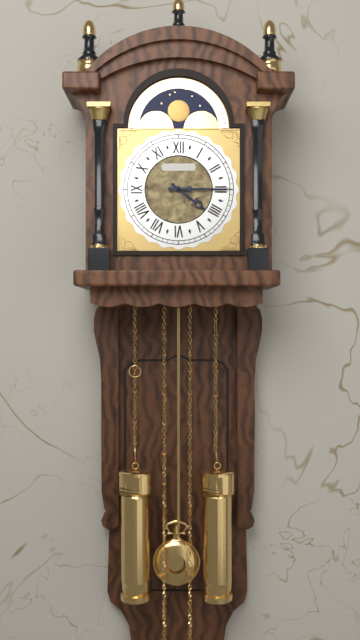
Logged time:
4h15
